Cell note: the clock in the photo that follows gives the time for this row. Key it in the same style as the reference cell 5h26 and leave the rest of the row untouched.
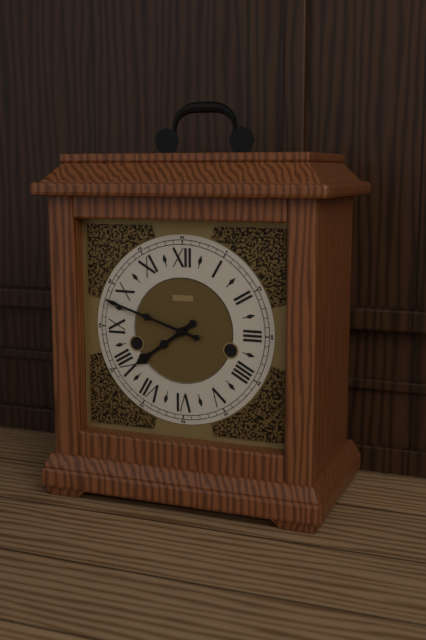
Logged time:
7h48
